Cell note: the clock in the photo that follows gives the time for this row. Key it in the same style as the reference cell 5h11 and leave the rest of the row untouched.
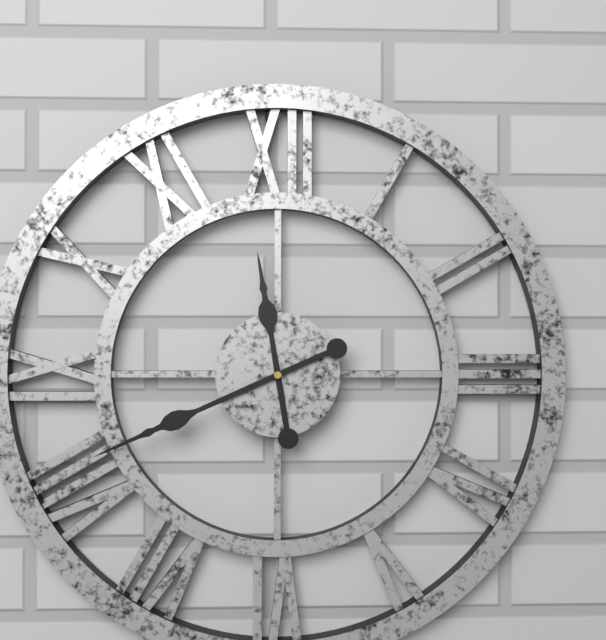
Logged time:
11h41
